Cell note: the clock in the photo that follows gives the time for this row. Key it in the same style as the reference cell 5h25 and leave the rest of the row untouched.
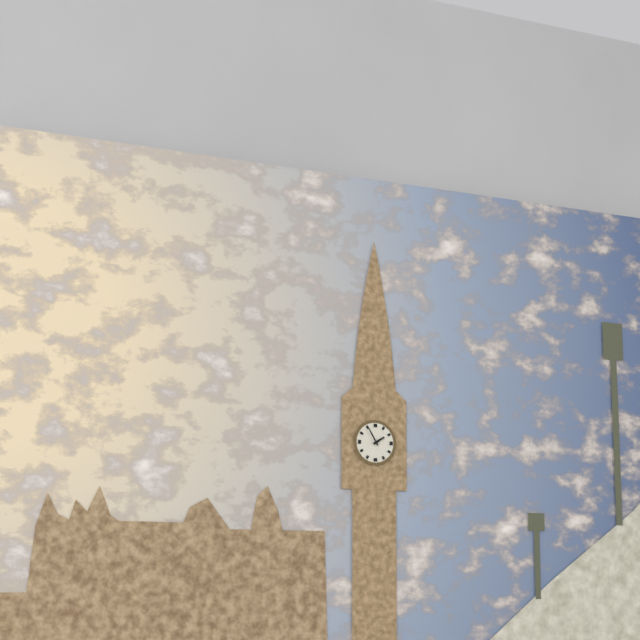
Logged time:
1h55
